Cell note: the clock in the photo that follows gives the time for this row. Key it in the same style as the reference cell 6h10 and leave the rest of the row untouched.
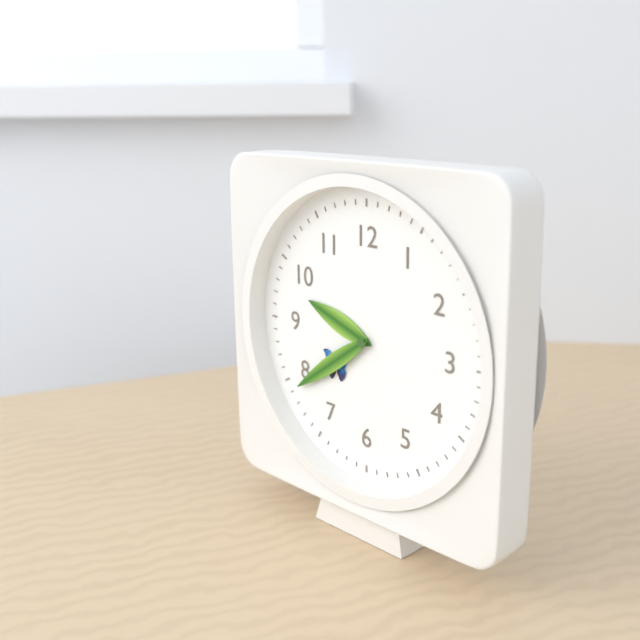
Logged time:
9h39
